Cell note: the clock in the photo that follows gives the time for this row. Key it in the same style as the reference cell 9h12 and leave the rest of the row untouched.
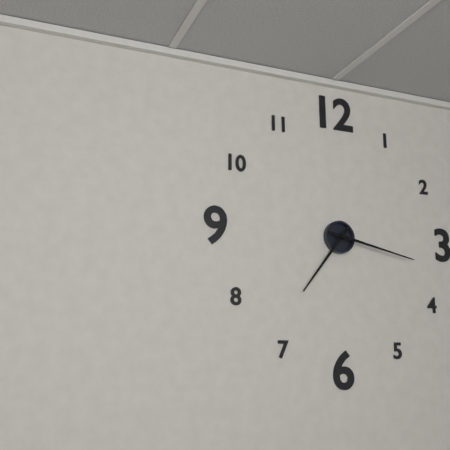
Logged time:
7h17
